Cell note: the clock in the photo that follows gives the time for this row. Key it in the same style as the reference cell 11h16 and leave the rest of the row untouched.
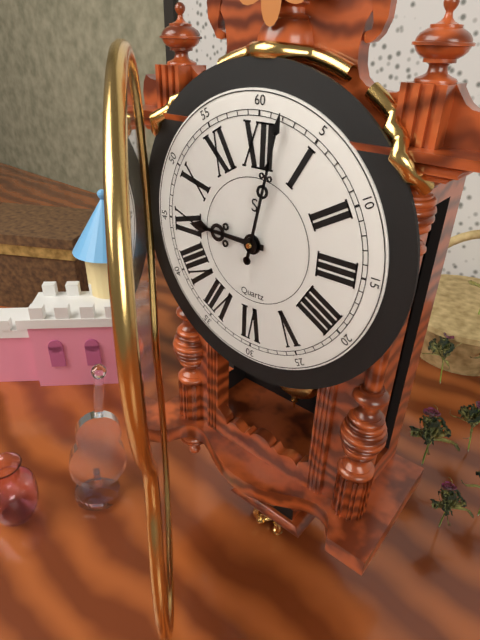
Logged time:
9h02
